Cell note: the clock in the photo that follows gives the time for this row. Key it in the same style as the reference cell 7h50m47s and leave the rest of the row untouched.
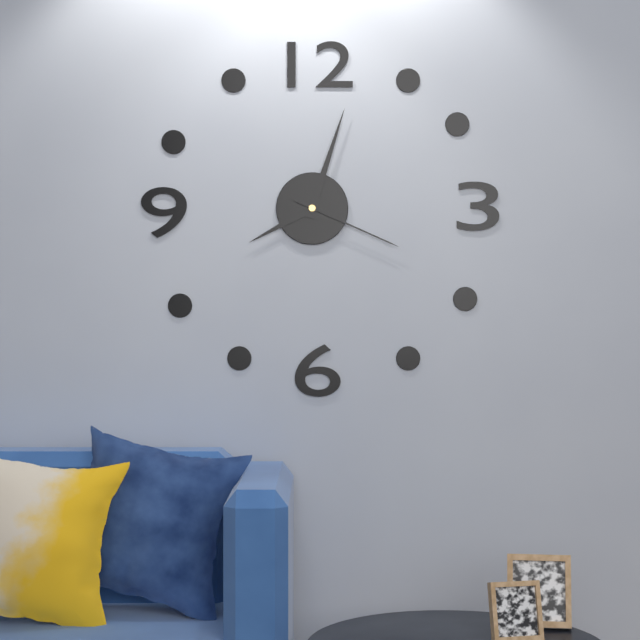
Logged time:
8h03m19s
